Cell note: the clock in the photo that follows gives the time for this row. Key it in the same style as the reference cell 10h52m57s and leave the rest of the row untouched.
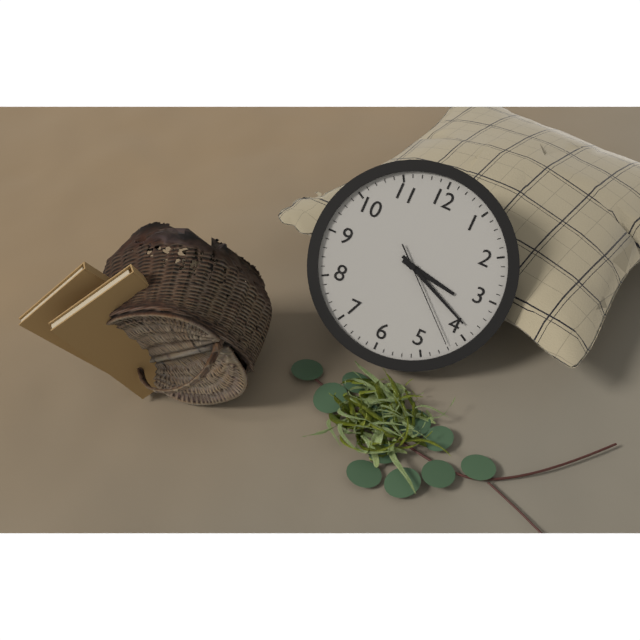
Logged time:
3h19m22s
